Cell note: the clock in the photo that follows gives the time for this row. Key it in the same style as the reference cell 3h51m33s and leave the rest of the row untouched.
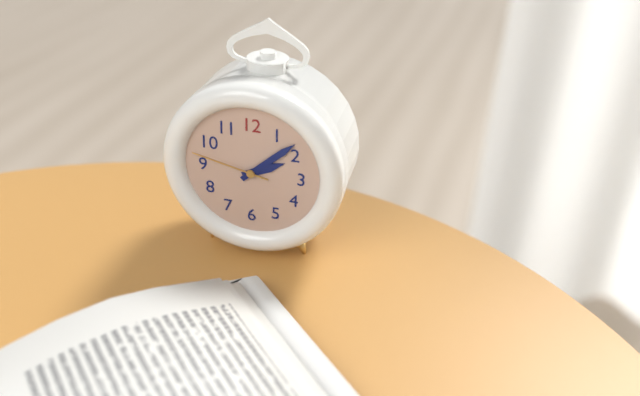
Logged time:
2h08m47s
